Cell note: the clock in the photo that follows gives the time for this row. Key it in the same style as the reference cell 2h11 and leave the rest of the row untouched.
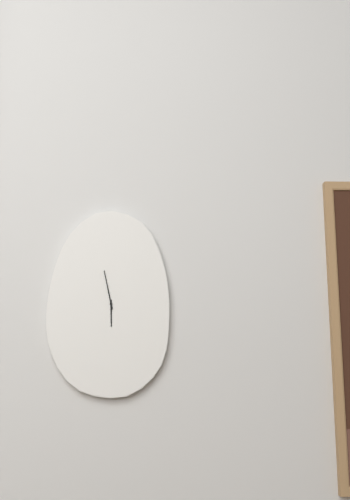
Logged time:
5h58
